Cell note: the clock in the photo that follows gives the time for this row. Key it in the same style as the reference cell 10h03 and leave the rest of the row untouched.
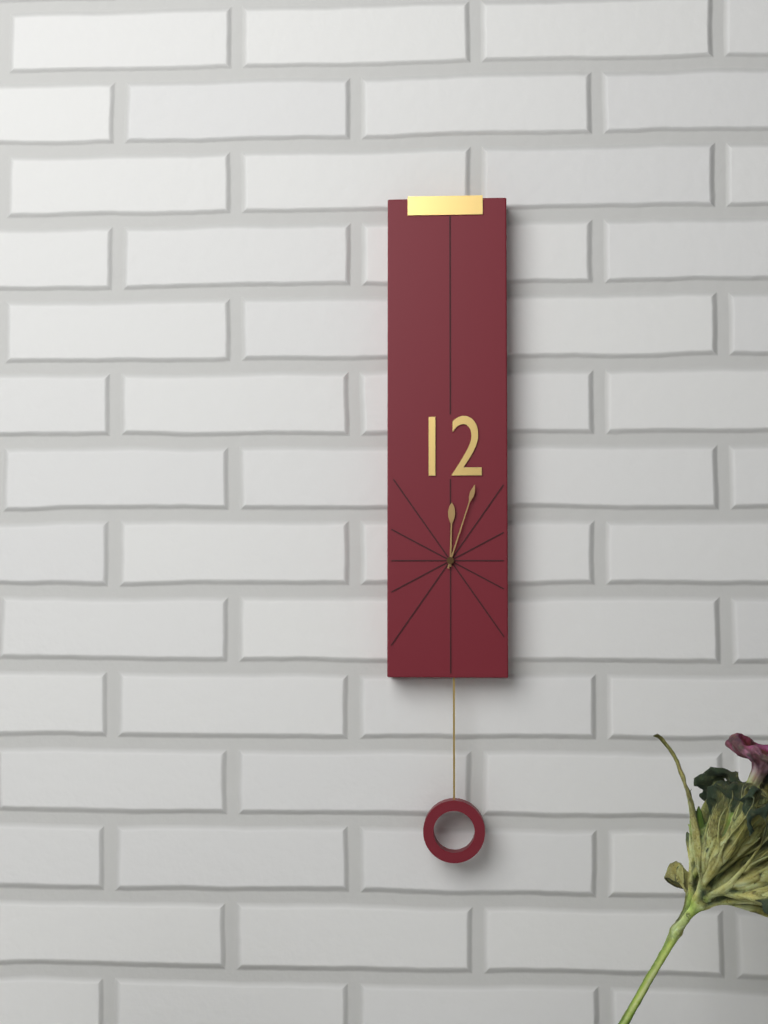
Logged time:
12h03
